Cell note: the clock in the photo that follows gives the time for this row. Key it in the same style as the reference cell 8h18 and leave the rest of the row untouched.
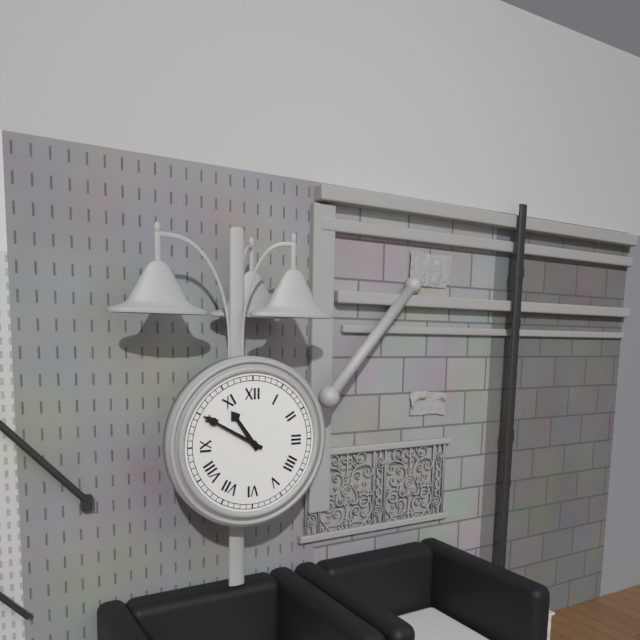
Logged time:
10h50
